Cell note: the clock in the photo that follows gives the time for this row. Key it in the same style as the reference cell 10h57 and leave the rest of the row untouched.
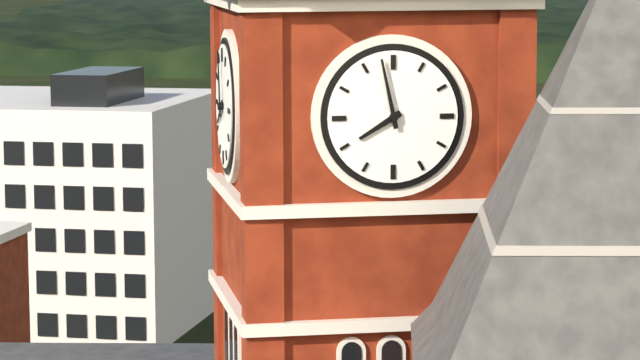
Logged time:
7h58
